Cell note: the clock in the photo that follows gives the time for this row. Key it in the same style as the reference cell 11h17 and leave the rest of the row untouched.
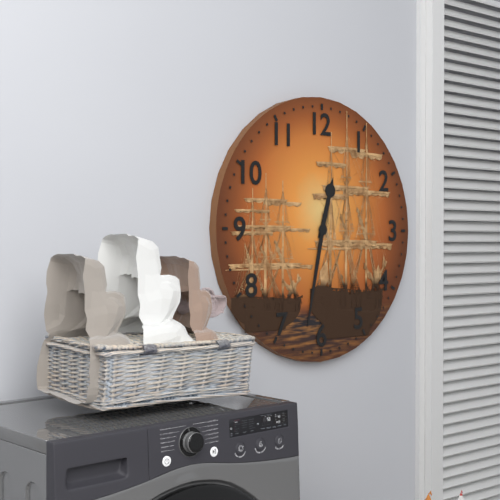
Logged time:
12h32
